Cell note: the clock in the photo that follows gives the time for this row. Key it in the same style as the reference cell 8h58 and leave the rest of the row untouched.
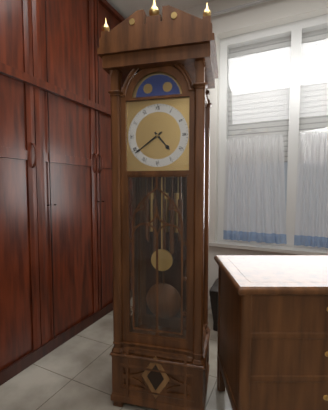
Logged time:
4h39
